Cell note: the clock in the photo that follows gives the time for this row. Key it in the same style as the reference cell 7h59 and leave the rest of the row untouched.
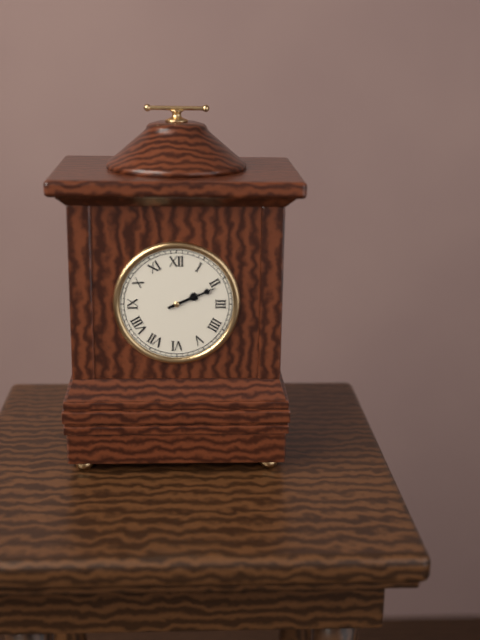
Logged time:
2h11
